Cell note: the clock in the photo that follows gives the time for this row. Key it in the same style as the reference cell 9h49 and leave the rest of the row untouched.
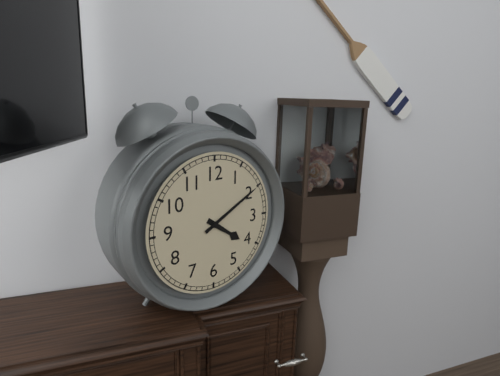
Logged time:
4h10
